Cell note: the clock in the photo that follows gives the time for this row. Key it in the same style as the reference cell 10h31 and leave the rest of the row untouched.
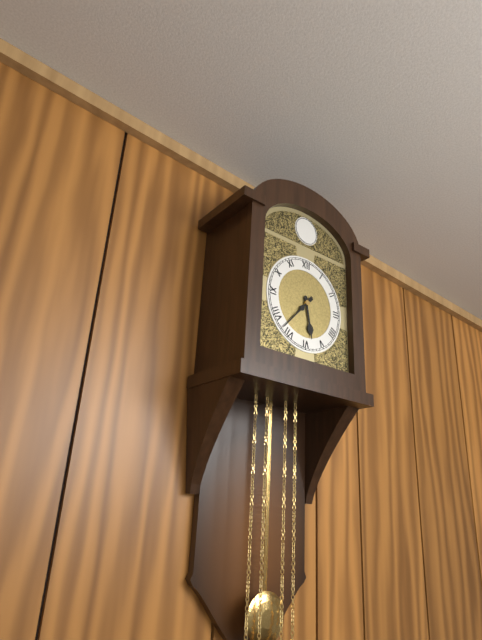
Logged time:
5h37
